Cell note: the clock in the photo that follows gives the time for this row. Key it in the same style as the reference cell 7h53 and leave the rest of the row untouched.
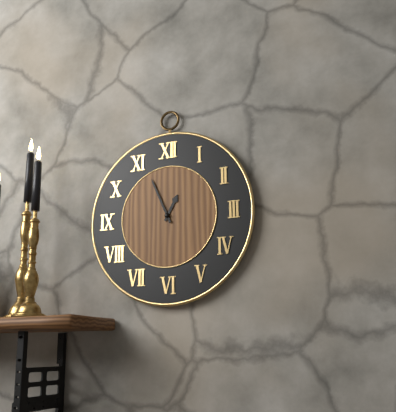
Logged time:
12h56
